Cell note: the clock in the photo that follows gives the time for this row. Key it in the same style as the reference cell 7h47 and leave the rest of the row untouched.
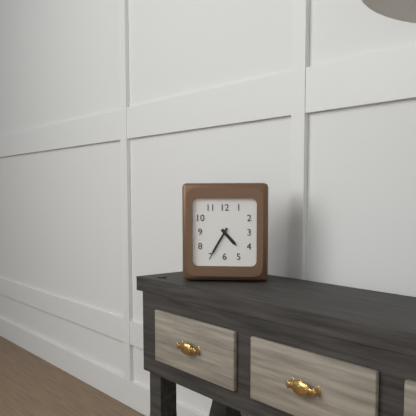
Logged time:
4h35
